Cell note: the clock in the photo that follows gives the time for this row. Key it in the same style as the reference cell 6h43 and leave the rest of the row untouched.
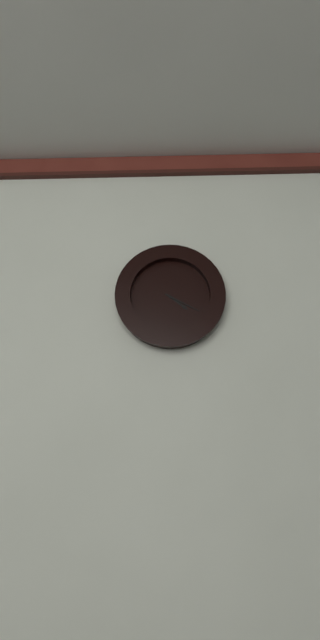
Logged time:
4h20
